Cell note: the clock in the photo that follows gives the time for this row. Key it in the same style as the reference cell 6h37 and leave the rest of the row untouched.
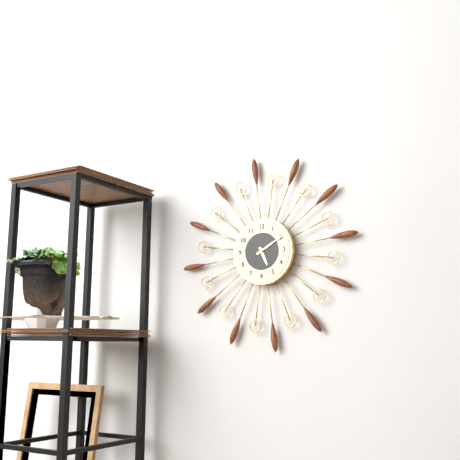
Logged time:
5h10
